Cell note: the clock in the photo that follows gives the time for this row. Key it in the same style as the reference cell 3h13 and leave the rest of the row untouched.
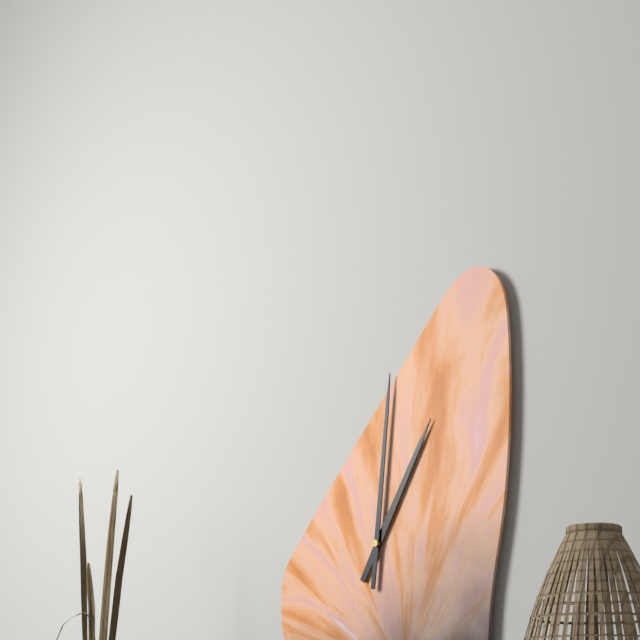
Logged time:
1h01
